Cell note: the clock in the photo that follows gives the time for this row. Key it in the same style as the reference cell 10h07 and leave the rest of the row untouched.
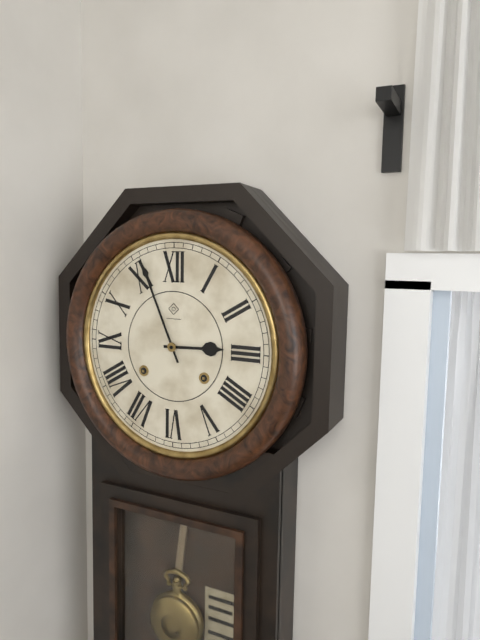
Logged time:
2h56
